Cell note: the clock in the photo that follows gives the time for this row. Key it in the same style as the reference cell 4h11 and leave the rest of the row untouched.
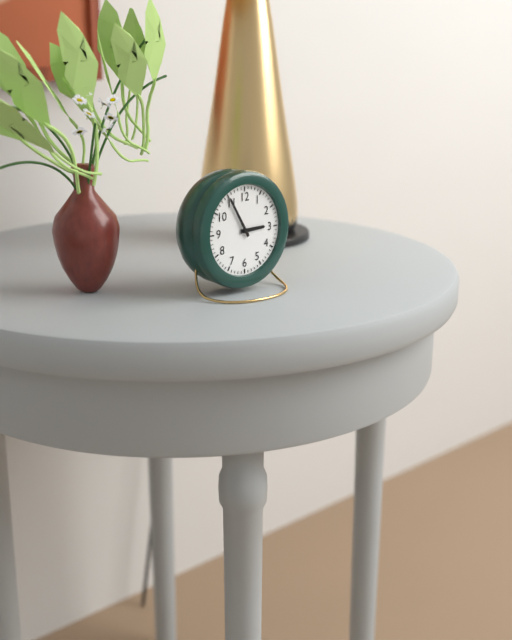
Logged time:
2h55
